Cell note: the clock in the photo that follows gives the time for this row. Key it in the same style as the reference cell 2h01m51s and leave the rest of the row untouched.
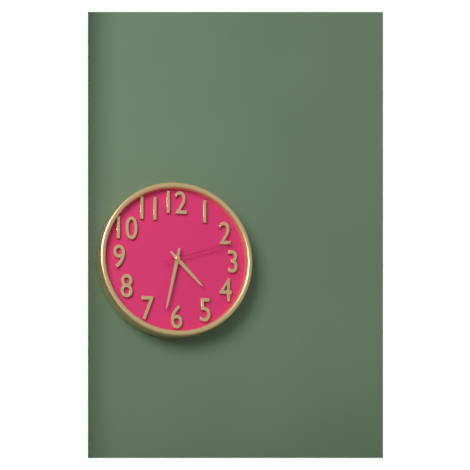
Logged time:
4h32m12s
